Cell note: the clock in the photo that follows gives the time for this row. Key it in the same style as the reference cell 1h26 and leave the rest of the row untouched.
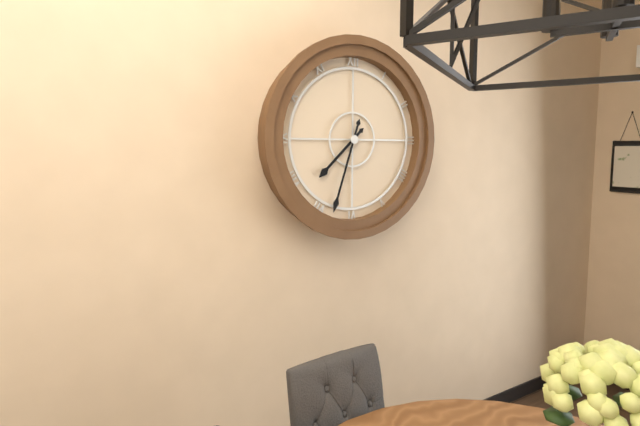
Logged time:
7h33
